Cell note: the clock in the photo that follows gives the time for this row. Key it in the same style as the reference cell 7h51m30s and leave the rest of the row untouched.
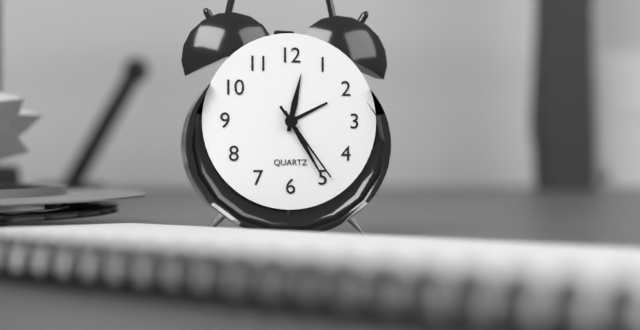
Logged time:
12h25m24s
